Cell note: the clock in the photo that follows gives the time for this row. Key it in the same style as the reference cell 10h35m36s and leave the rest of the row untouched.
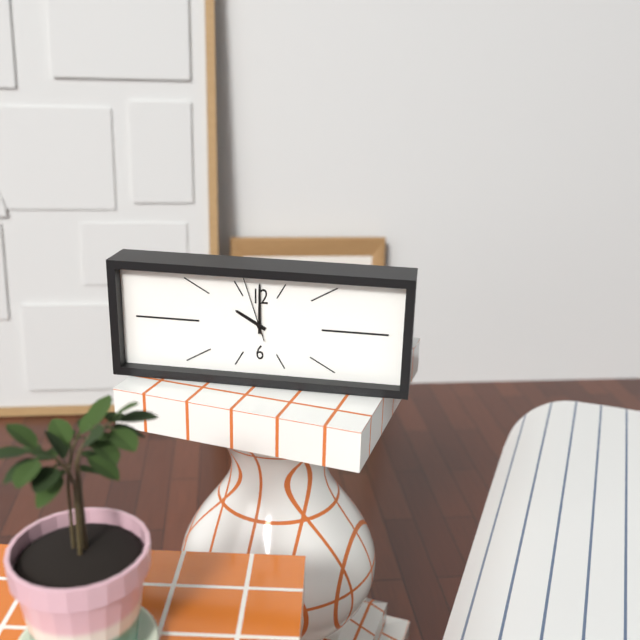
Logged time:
10h00m57s
